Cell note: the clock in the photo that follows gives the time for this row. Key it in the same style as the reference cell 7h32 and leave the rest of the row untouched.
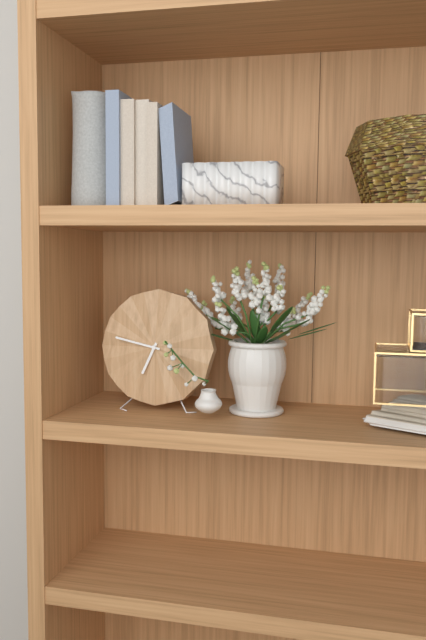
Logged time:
6h47
